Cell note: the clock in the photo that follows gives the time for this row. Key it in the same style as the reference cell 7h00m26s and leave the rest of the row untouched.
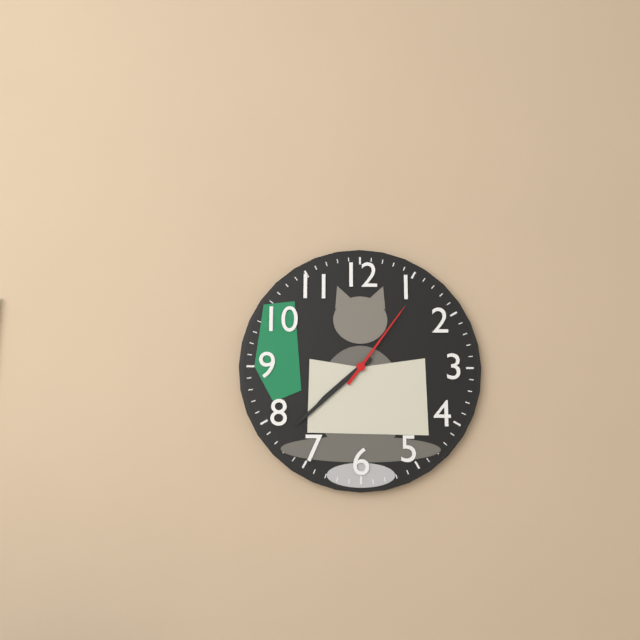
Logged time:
7h38m06s
